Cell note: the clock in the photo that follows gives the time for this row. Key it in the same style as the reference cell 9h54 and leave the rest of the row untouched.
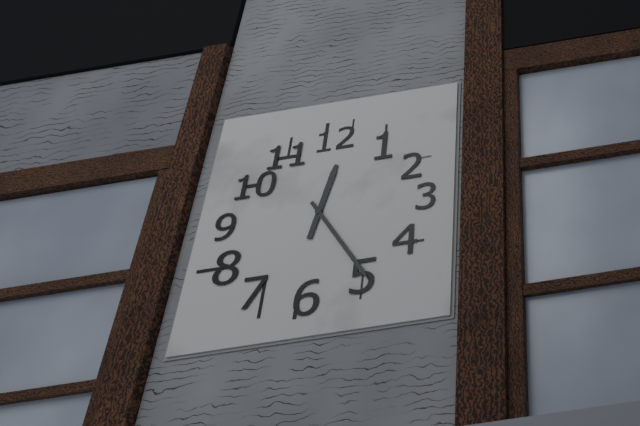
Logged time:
12h24
